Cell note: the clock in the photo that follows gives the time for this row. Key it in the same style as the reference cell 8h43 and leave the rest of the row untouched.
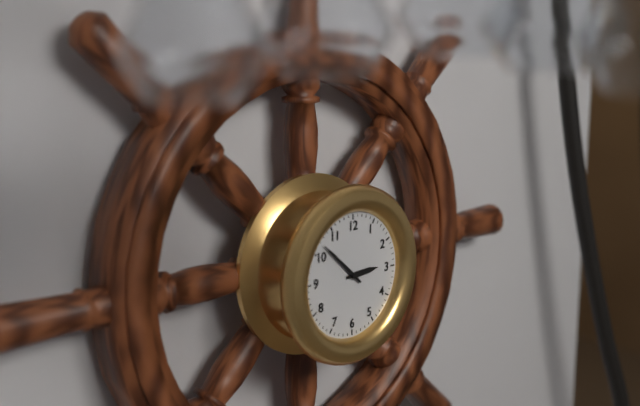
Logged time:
2h52
